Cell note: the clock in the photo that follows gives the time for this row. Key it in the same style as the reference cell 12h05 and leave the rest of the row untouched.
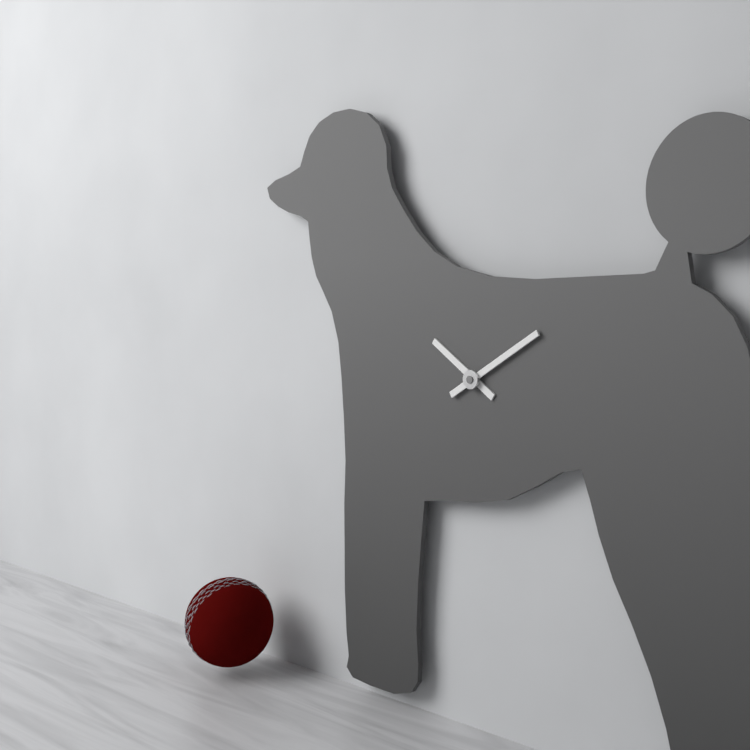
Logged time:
10h10
